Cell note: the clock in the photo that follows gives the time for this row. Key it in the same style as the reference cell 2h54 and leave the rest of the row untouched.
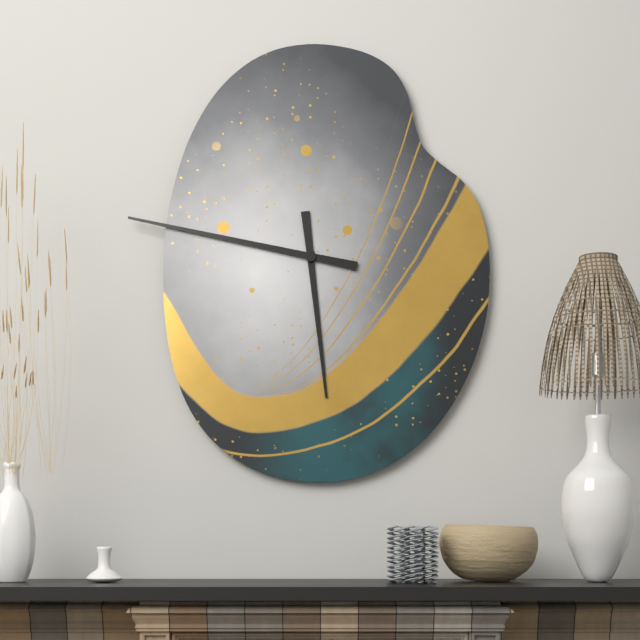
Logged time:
5h47
